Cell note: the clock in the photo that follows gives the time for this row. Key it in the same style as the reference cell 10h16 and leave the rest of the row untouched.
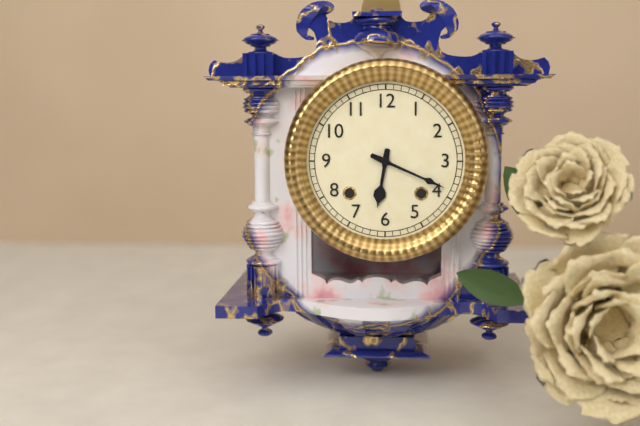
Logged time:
6h19
